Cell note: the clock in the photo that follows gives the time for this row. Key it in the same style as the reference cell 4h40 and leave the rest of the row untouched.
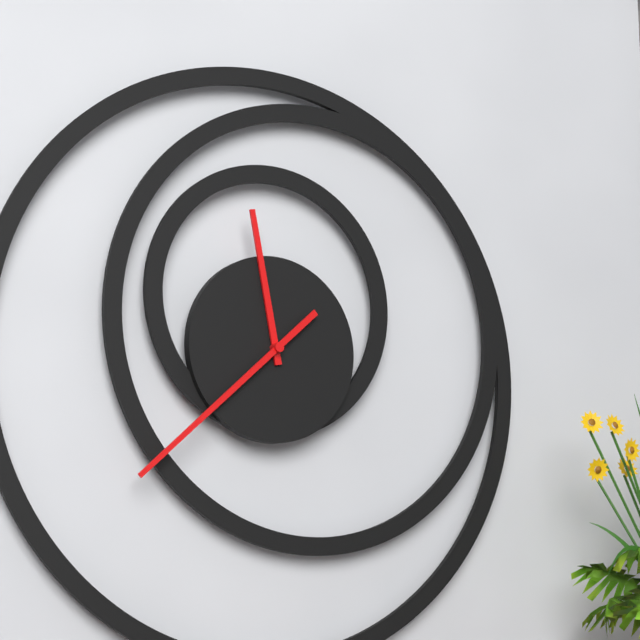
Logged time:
11h38
